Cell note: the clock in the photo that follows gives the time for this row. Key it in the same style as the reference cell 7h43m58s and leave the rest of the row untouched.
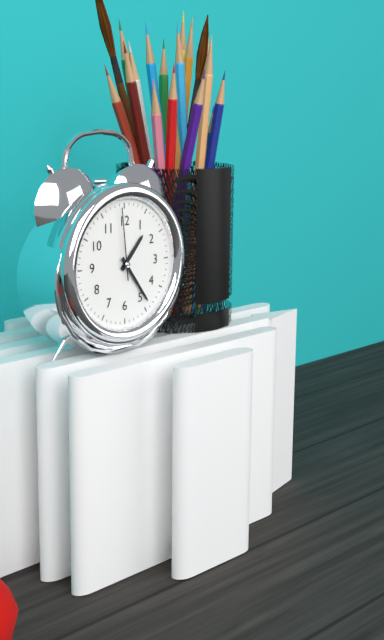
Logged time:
1h24m59s
